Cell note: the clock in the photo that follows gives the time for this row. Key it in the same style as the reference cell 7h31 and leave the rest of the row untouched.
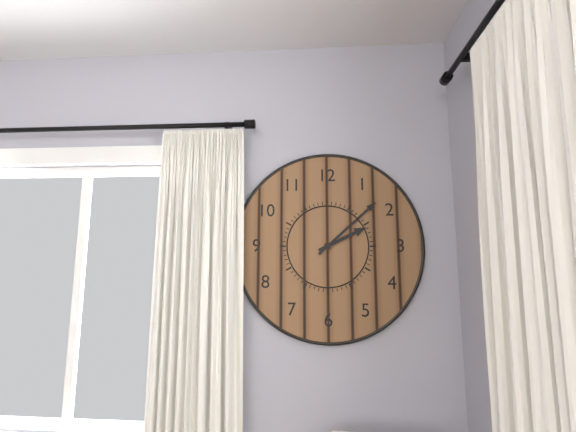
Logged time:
2h08
